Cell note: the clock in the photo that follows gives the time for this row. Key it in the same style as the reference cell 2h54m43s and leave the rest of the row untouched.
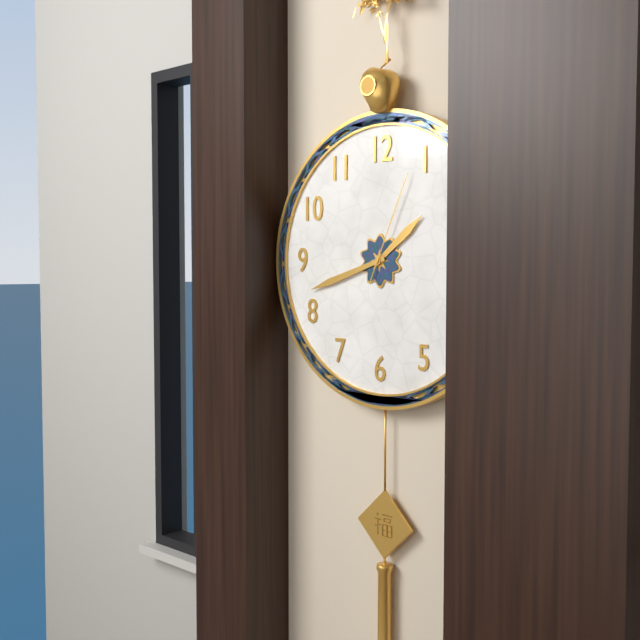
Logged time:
1h42m04s
